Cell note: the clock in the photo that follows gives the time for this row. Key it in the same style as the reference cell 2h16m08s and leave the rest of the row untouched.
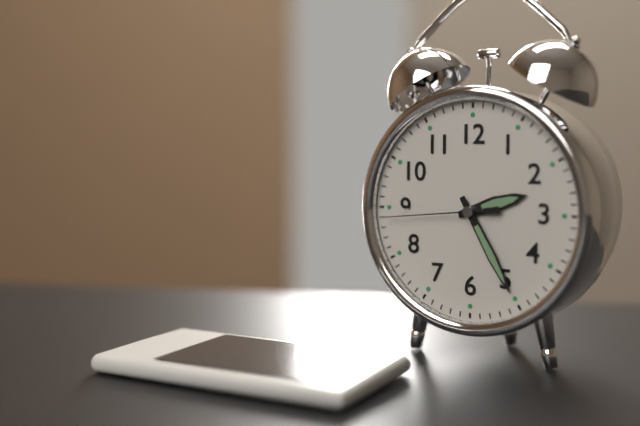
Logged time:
2h25m44s
